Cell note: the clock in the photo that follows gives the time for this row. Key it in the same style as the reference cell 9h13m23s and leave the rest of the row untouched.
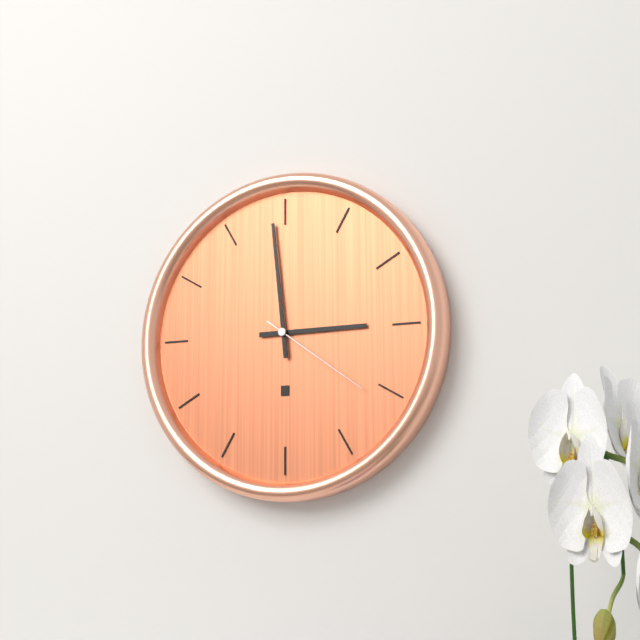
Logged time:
2h59m21s
